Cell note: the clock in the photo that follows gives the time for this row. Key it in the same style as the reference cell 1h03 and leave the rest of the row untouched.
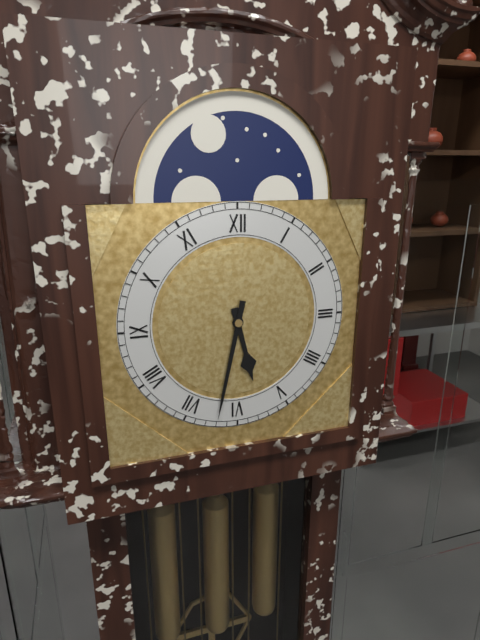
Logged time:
5h32
